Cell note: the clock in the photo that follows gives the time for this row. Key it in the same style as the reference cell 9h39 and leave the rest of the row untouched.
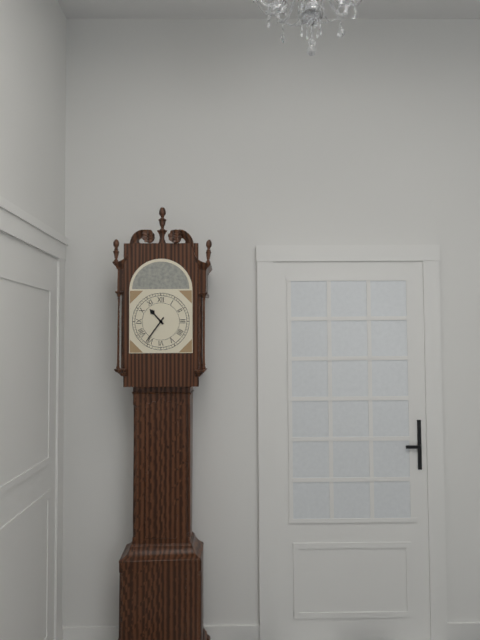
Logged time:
10h36
